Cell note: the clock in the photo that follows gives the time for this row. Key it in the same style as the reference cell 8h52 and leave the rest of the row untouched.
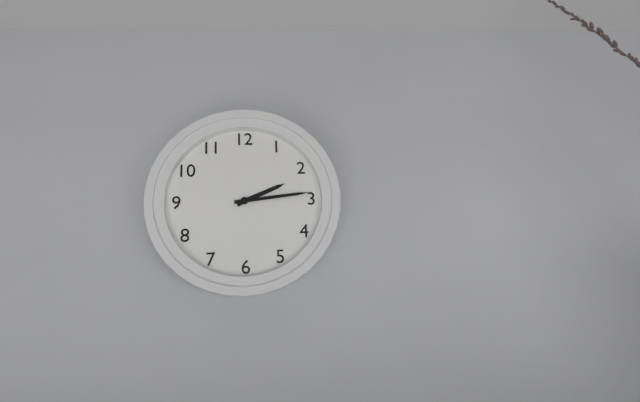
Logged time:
2h14
